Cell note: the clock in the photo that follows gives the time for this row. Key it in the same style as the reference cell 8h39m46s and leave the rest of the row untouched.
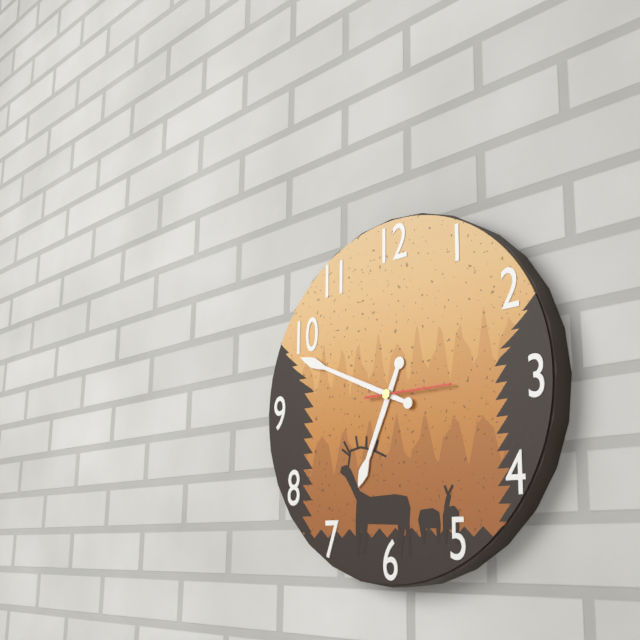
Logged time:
6h49m15s
